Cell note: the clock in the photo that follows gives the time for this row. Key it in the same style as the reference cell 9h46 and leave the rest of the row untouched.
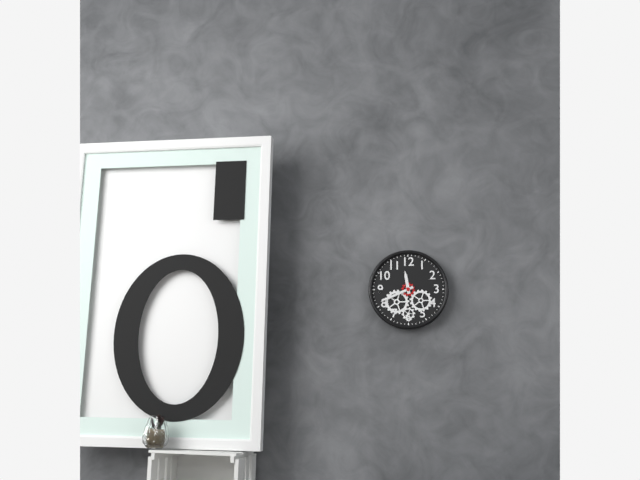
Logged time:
11h41
